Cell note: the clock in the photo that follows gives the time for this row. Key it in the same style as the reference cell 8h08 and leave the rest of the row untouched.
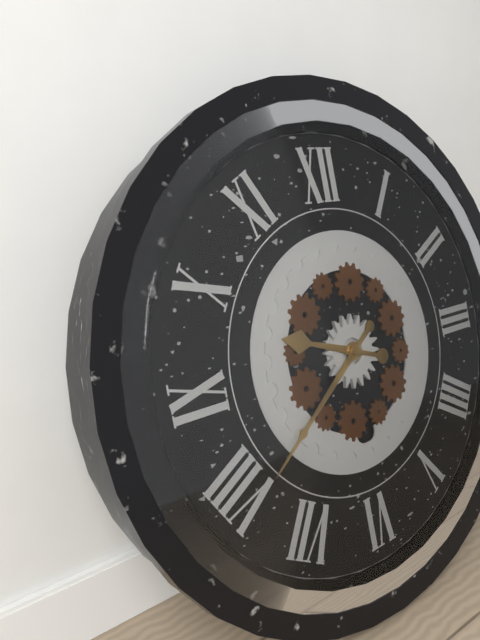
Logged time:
9h39
